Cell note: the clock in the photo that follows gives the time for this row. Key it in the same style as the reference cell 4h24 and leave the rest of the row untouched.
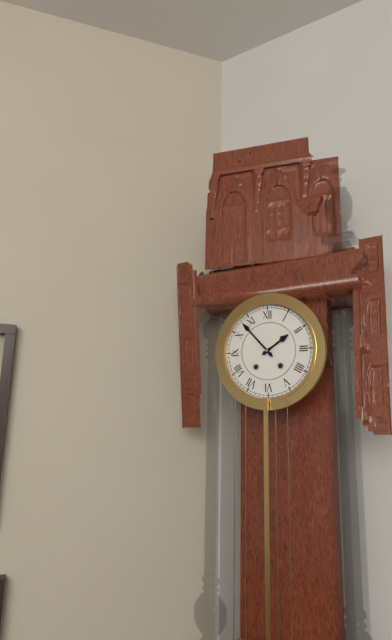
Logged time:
1h53
